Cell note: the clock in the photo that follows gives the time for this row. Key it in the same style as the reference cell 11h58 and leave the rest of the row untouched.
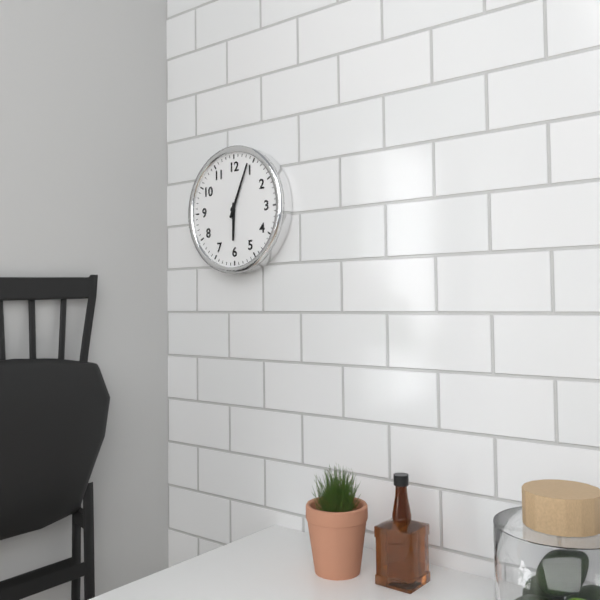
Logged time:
6h04
